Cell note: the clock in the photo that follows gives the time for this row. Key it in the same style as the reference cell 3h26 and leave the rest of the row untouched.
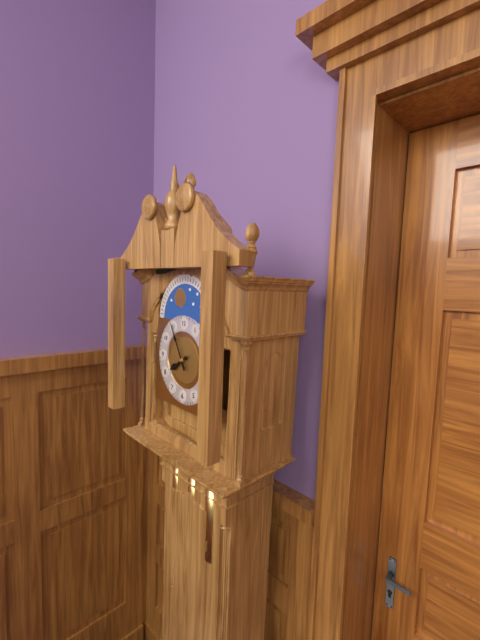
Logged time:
7h55
